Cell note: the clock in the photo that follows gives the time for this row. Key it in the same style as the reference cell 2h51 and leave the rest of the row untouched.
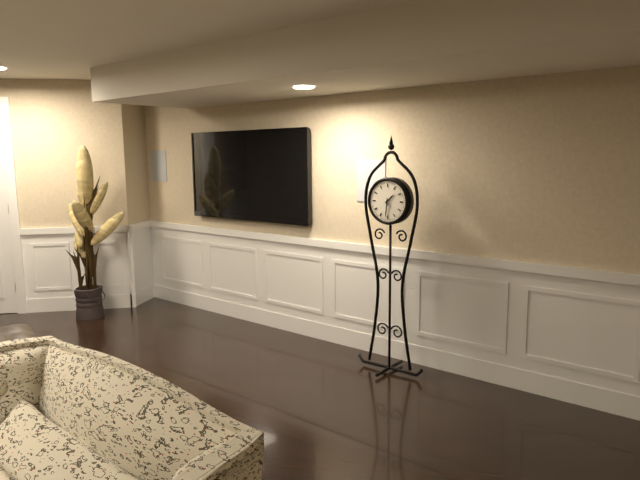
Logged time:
1h31
